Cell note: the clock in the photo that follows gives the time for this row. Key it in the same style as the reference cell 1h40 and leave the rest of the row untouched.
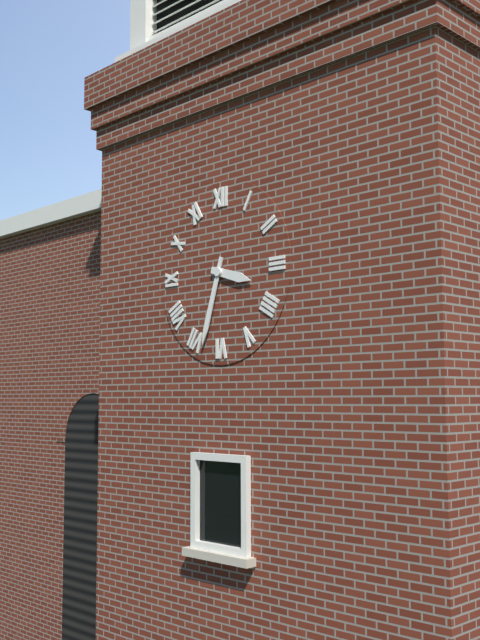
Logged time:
3h33
